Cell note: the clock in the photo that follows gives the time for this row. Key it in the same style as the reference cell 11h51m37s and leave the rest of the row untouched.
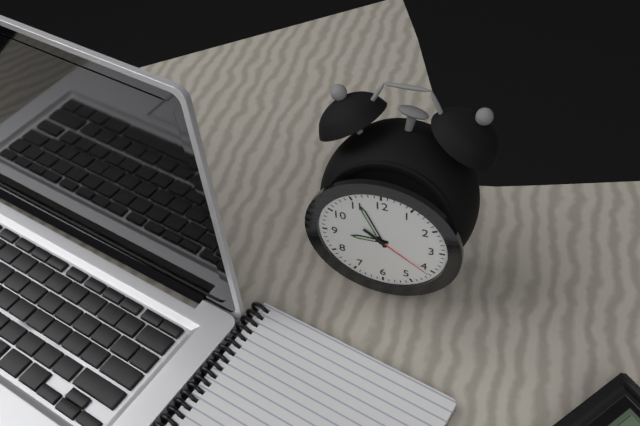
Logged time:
8h56m21s
